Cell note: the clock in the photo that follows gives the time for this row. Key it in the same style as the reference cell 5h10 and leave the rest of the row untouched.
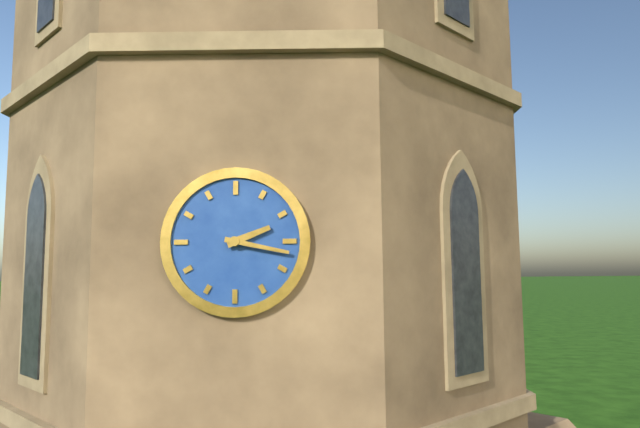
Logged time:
2h17
